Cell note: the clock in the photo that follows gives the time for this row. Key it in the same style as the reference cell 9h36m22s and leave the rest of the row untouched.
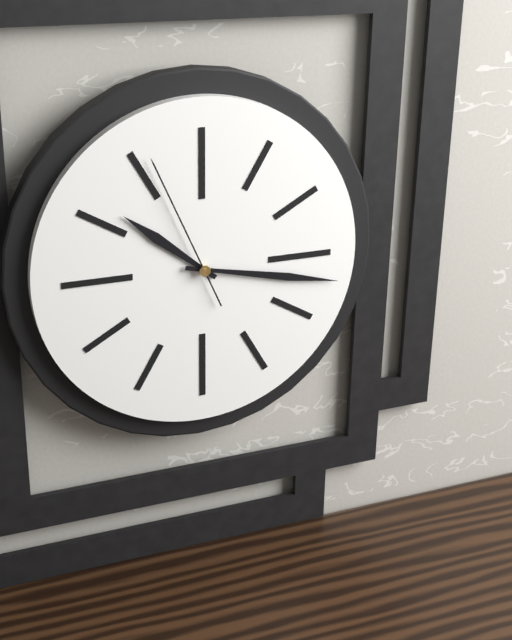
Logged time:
10h17m56s
